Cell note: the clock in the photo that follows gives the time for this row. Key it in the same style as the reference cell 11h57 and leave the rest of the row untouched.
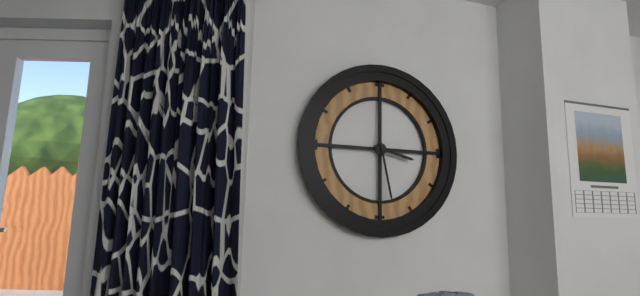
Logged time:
3h28
